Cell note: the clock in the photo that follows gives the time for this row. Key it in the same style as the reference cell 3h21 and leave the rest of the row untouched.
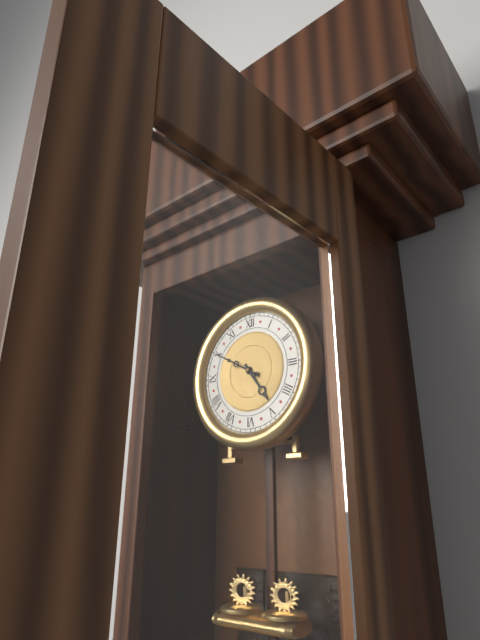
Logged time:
4h50
